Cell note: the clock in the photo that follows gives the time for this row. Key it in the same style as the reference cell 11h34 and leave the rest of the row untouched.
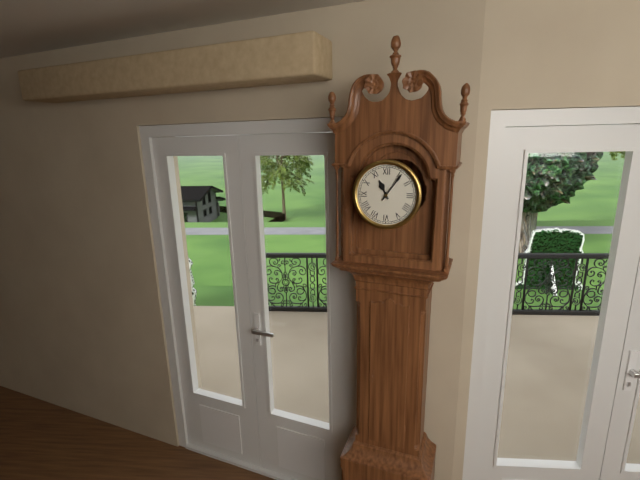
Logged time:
11h06
